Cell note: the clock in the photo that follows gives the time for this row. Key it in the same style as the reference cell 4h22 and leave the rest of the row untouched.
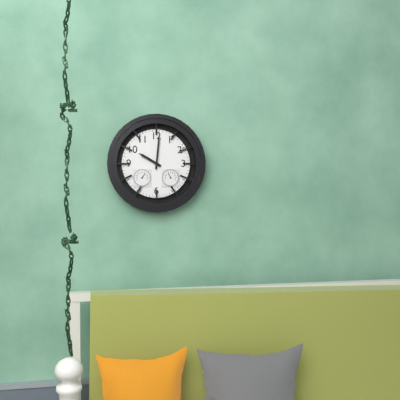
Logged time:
10h01
